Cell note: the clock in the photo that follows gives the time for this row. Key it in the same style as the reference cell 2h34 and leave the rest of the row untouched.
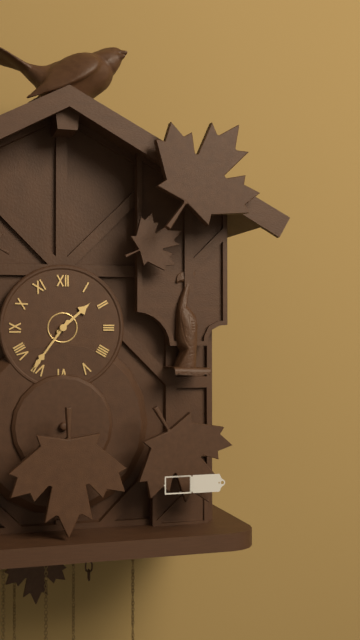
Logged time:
1h36
